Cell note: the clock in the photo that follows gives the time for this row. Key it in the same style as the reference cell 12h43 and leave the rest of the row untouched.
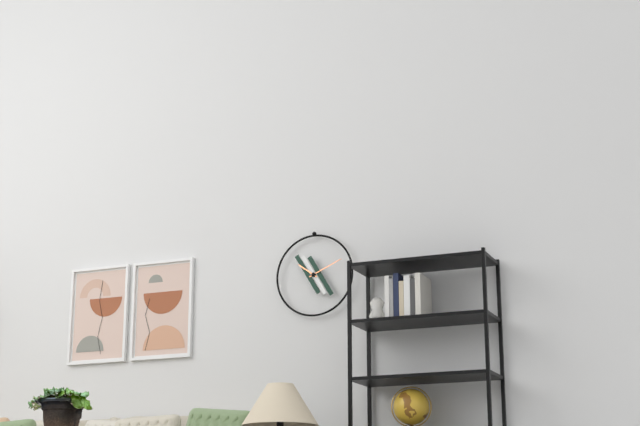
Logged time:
10h11
